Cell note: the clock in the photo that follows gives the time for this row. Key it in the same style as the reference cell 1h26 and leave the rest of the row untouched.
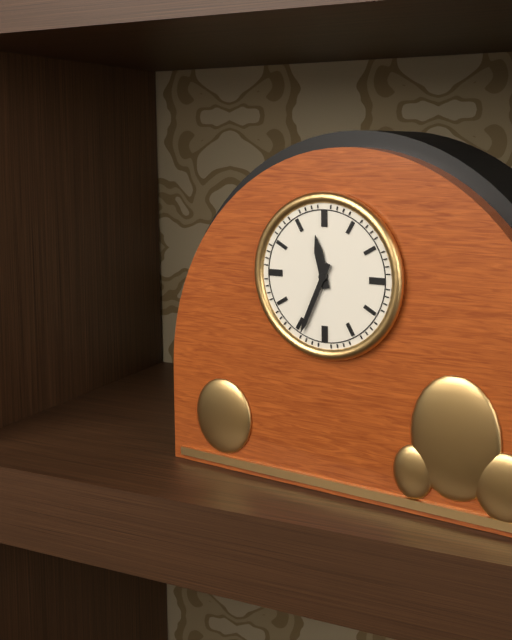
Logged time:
11h34
